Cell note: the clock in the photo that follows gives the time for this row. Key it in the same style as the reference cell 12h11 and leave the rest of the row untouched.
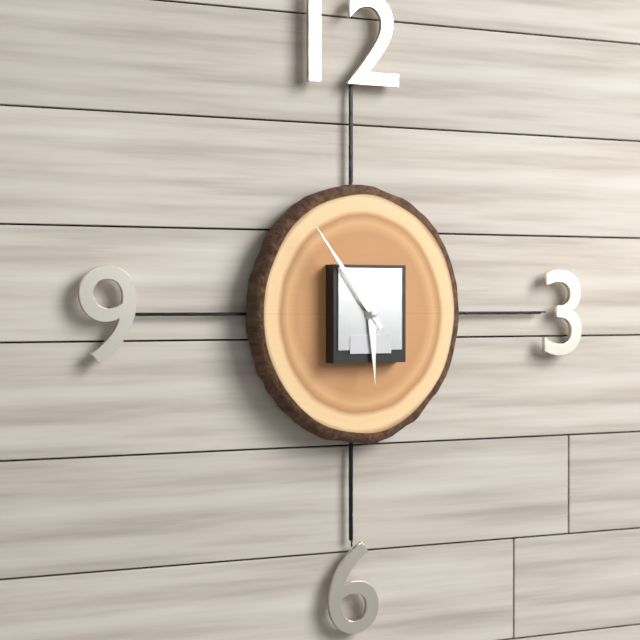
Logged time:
5h54
